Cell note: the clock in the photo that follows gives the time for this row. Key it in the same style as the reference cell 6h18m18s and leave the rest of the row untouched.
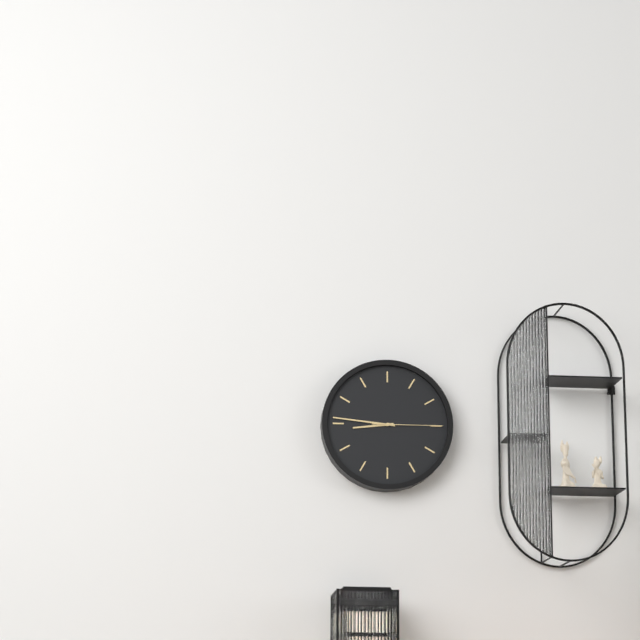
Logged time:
8h46m15s
